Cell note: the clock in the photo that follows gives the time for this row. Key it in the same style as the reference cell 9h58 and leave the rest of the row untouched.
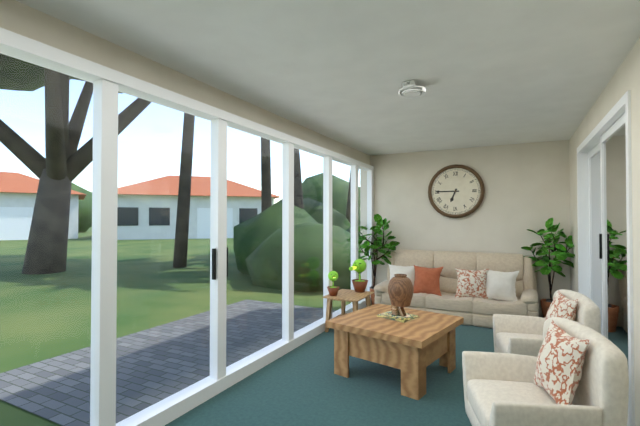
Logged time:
6h45
